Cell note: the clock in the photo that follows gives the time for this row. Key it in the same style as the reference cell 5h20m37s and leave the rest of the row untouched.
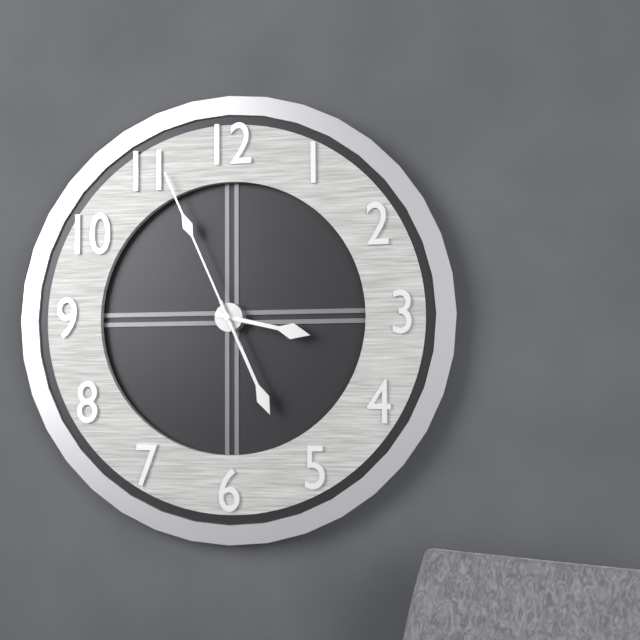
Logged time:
3h26m56s
